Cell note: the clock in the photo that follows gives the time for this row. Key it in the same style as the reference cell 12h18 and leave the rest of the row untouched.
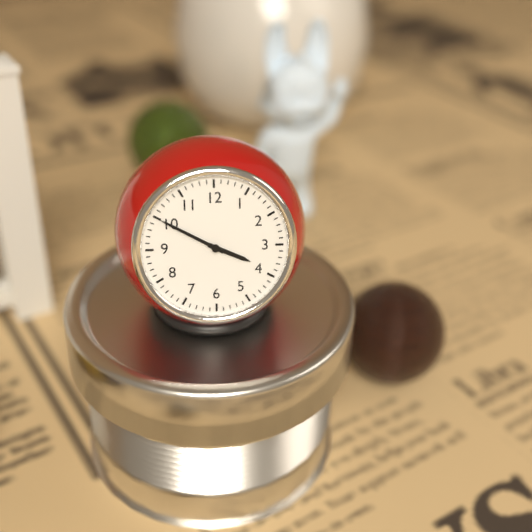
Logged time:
3h50
